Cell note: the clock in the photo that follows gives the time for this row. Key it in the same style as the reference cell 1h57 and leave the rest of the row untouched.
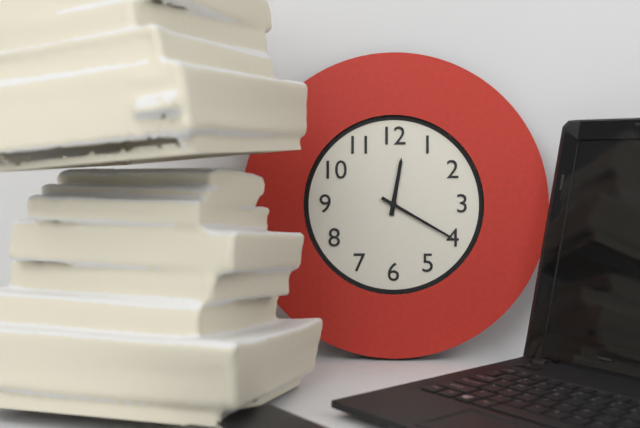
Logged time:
12h20
